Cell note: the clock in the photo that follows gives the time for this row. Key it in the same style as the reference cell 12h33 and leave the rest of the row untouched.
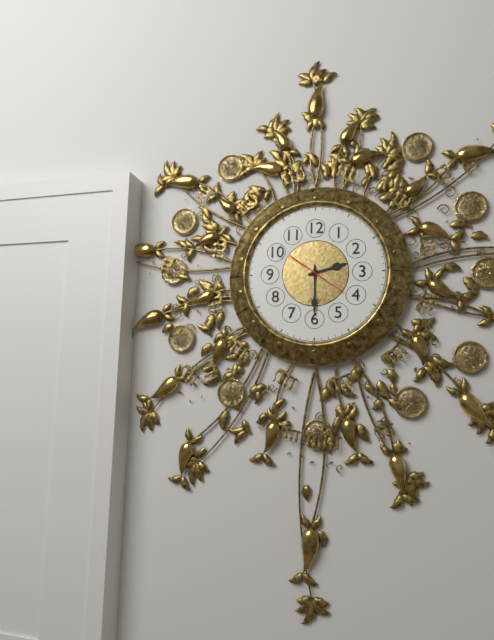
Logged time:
2h30
